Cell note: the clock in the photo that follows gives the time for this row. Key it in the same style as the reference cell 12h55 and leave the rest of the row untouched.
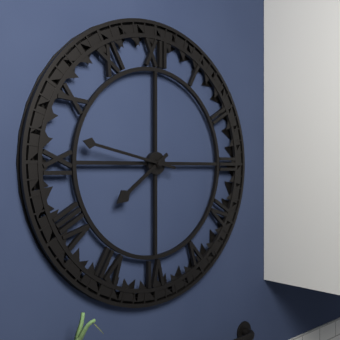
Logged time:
7h47
